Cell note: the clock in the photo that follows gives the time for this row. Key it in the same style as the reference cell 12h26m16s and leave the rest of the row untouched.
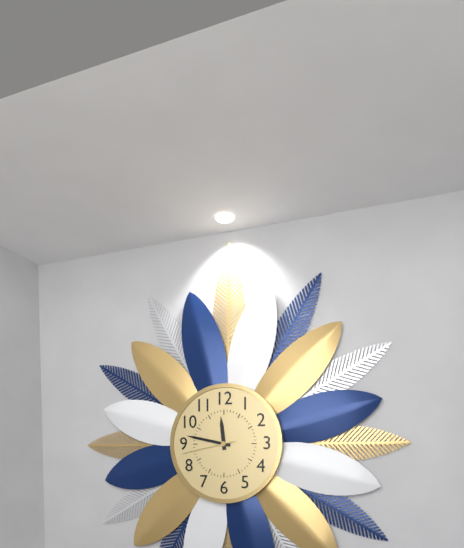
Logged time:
11h47m43s
